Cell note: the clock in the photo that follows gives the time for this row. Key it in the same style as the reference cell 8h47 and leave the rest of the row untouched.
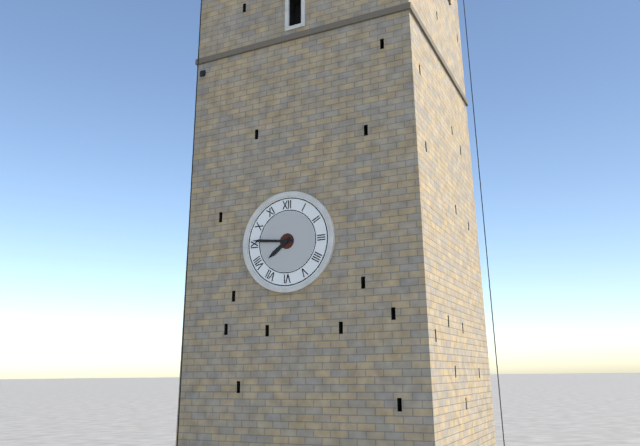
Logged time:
7h46
